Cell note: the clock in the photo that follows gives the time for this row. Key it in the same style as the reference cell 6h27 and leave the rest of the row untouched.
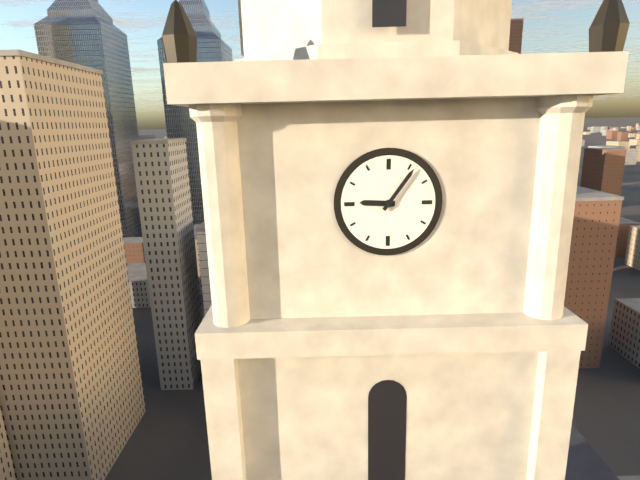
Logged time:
9h06
